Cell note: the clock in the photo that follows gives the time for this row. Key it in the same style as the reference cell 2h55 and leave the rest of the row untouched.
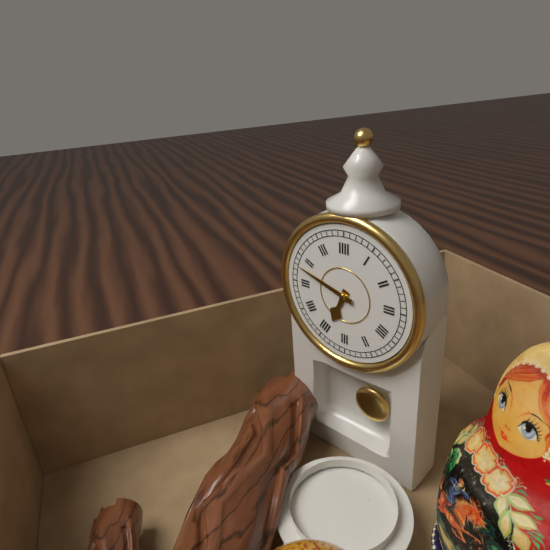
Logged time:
6h48
